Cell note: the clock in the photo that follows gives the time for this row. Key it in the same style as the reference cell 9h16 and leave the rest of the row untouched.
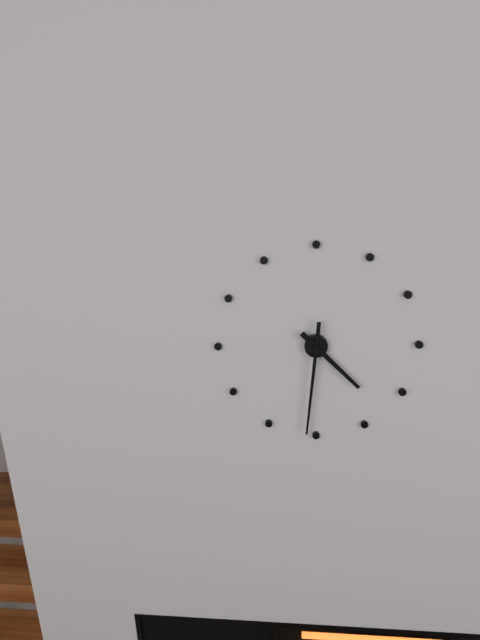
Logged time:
4h31
